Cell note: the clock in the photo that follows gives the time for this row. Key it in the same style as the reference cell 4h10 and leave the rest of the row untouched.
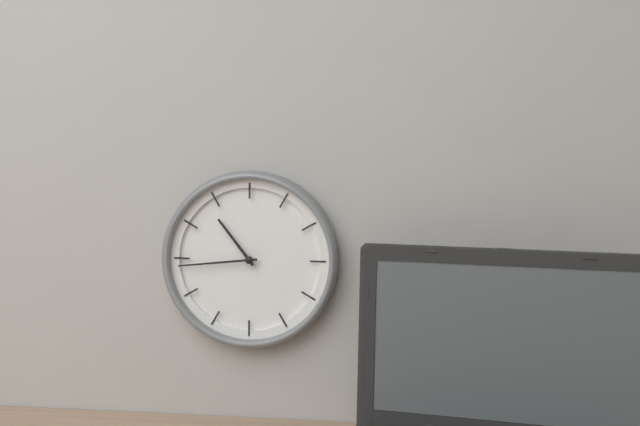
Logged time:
10h44
